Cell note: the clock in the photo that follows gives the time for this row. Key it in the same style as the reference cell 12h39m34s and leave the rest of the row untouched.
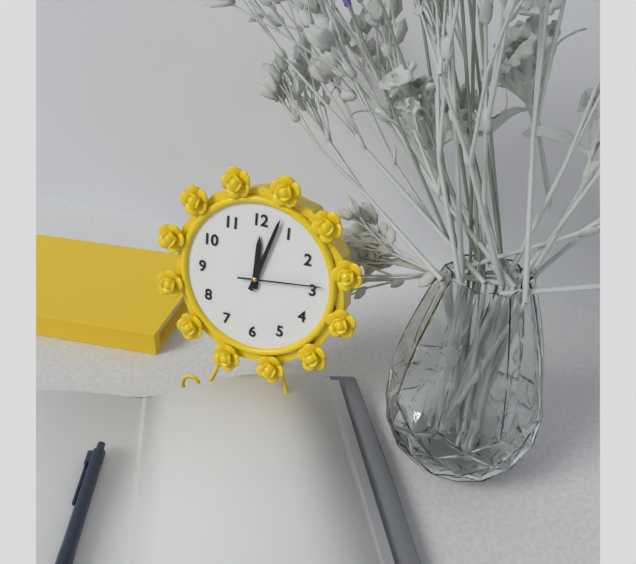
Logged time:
12h03m14s
